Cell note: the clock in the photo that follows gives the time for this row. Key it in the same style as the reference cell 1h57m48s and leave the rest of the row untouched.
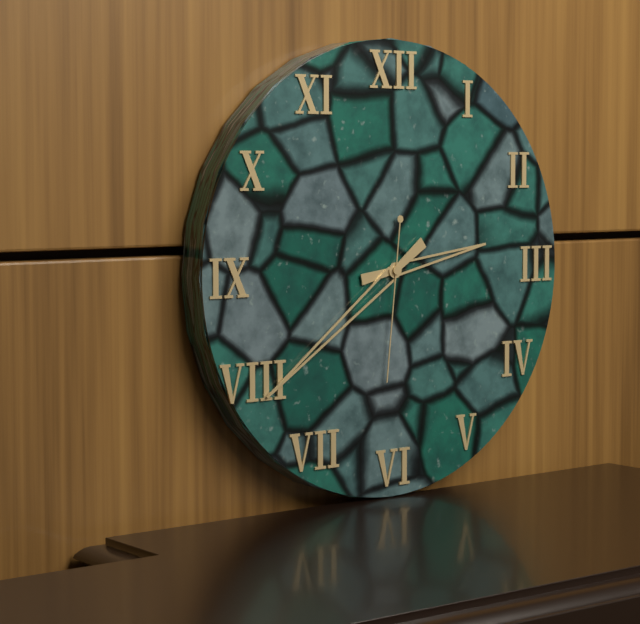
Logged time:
2h39m31s
